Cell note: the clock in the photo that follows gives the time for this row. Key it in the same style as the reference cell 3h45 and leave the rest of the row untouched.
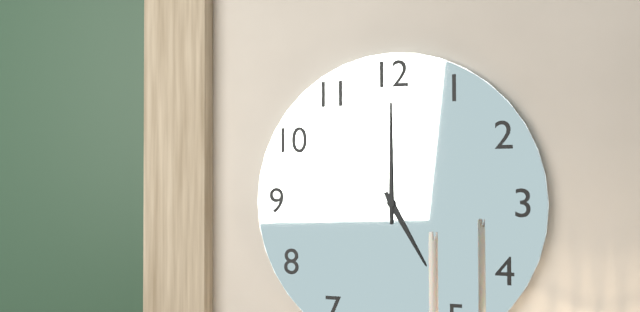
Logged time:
5h00
